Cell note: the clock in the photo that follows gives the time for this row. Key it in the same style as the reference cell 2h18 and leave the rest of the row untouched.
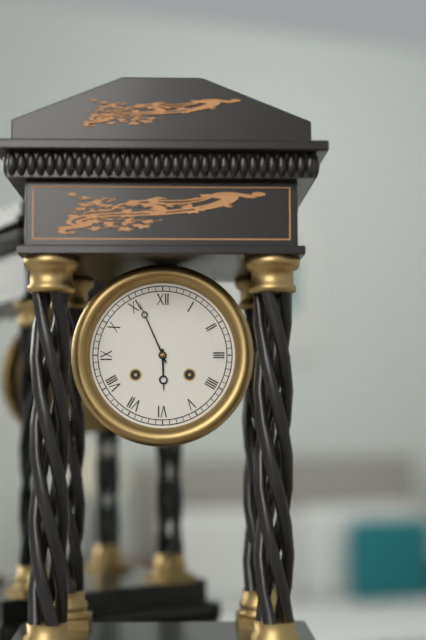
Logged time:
5h56
